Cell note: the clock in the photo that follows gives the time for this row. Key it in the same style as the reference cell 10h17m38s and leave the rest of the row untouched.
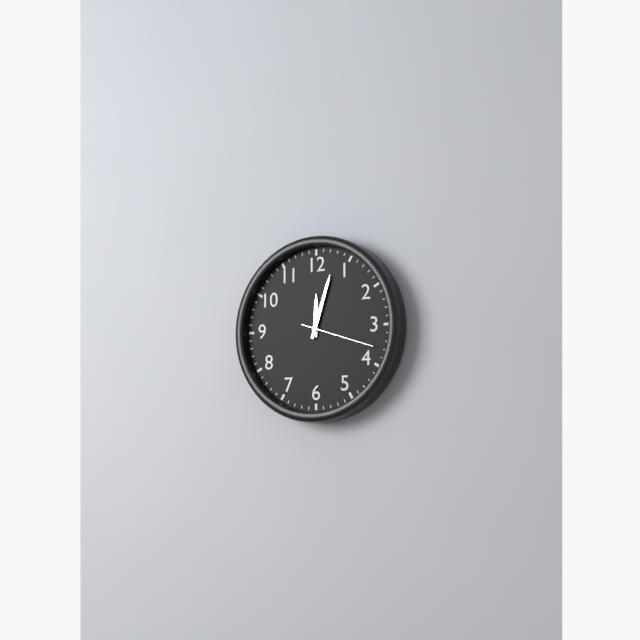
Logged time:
12h03m18s
